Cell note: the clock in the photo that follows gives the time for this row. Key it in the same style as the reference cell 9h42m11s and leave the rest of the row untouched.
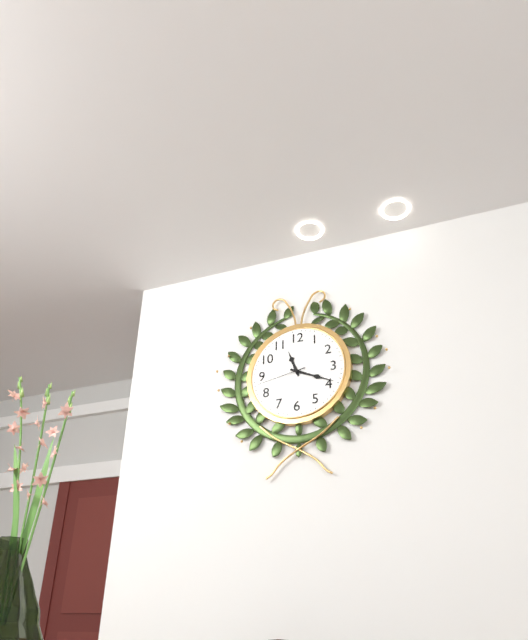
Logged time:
11h19m43s
